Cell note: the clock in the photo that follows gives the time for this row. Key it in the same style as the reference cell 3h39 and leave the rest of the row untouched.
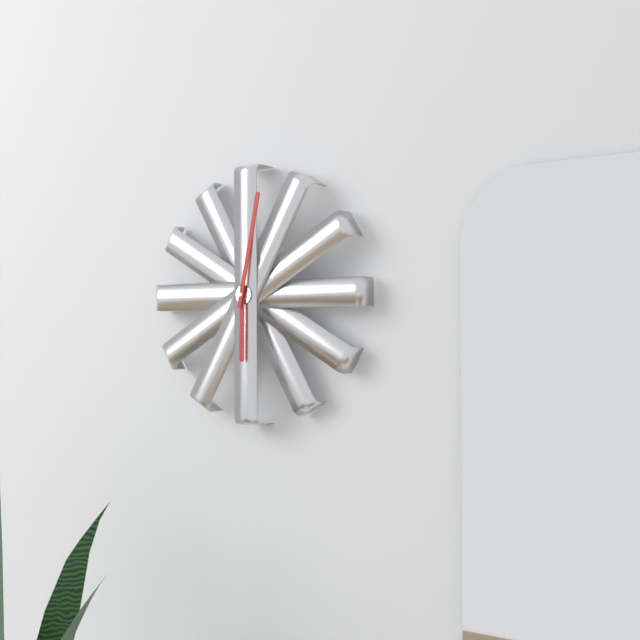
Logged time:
6h02
